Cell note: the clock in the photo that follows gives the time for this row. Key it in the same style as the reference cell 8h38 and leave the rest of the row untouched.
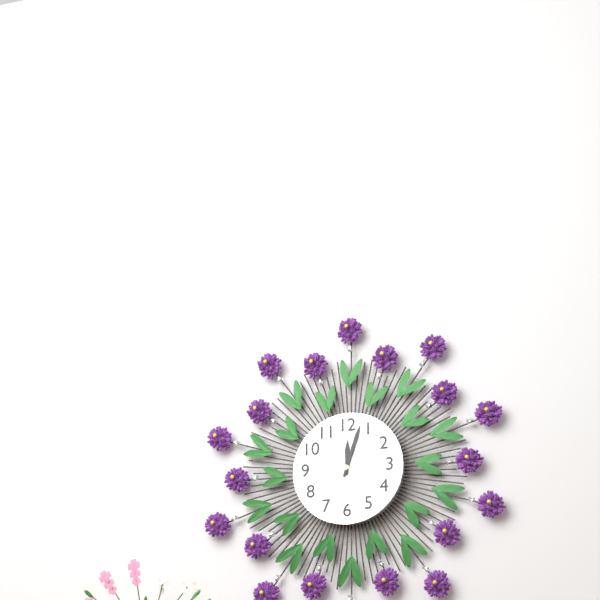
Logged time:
12h03
